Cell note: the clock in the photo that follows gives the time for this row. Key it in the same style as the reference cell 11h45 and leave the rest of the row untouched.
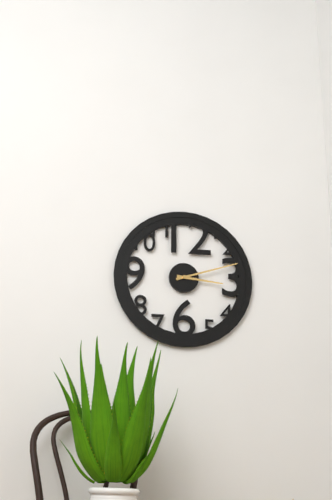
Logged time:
3h12
